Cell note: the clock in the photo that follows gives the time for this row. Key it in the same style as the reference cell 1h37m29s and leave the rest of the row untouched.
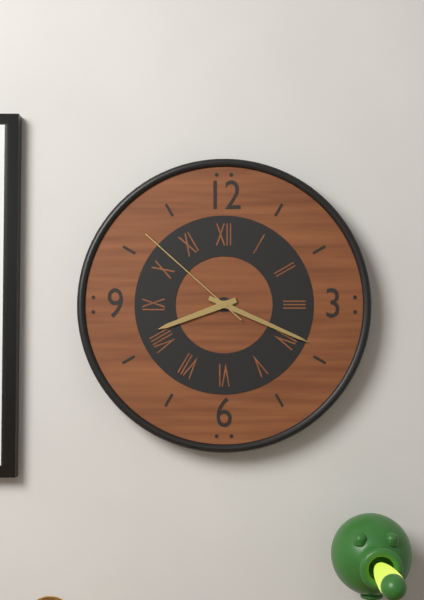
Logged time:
8h19m52s
